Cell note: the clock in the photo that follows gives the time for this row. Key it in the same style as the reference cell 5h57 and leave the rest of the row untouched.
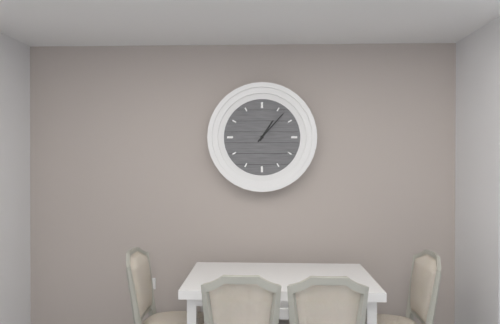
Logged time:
1h07
